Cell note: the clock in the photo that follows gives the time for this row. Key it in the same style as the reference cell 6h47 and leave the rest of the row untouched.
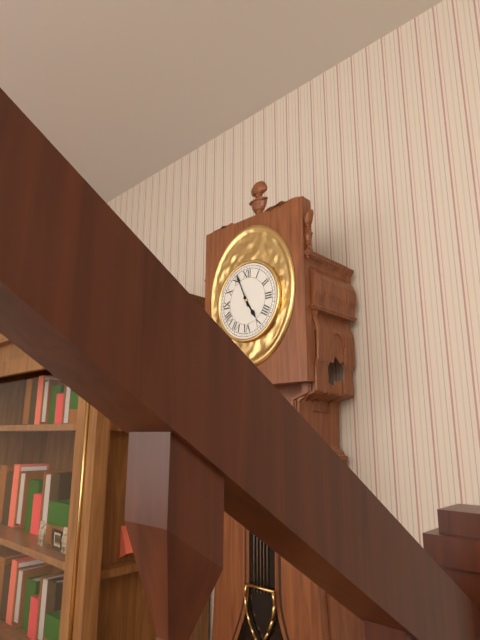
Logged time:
4h56
